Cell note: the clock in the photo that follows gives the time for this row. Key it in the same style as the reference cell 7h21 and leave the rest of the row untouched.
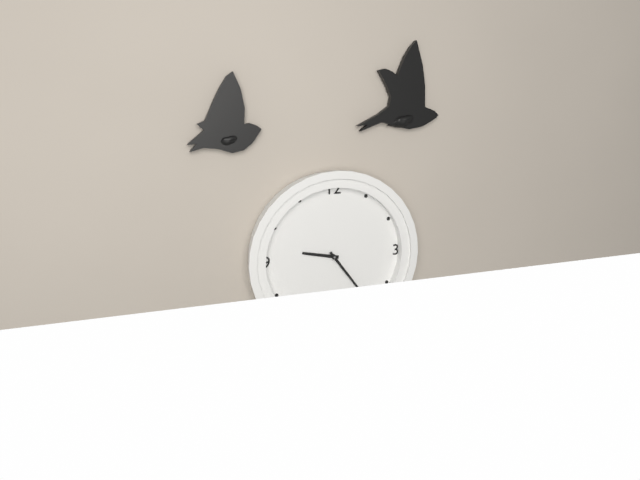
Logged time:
9h24
